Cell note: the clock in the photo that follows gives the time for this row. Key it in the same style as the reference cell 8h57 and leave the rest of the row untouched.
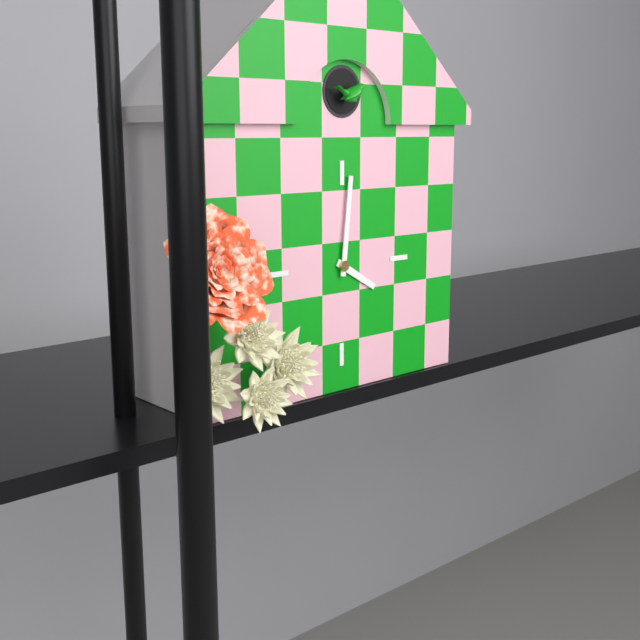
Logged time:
4h01
